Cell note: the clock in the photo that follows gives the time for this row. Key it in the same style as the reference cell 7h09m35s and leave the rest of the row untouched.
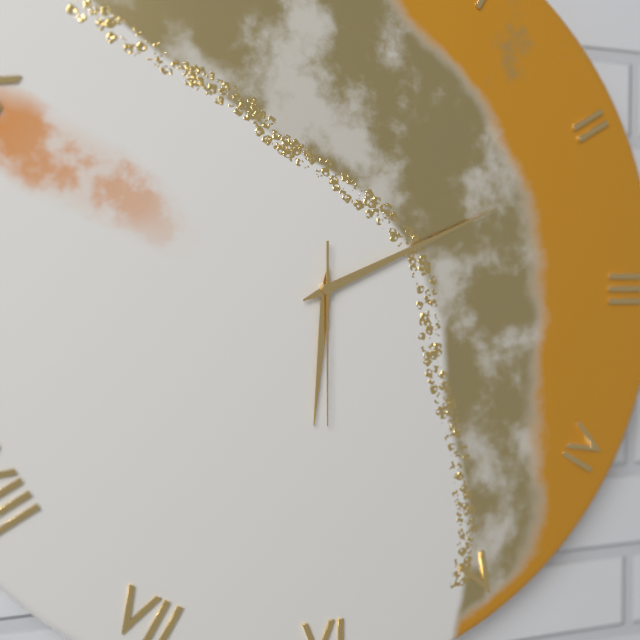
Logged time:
6h11m30s
